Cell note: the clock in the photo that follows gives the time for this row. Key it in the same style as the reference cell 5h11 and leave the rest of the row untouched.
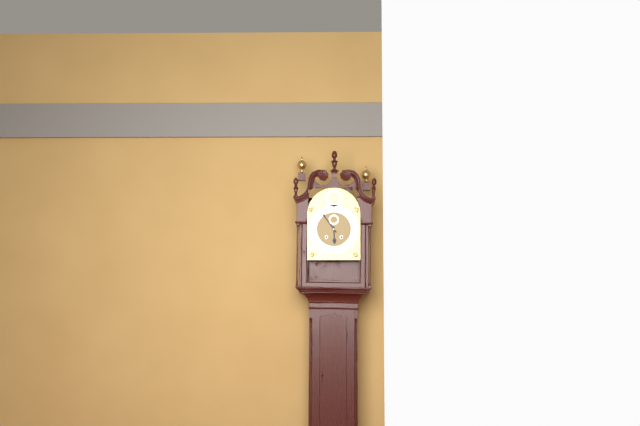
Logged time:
5h54
